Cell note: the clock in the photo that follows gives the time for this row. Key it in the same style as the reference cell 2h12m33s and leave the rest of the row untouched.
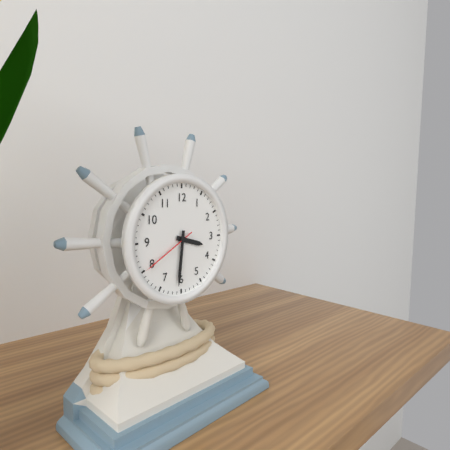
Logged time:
3h31m40s
